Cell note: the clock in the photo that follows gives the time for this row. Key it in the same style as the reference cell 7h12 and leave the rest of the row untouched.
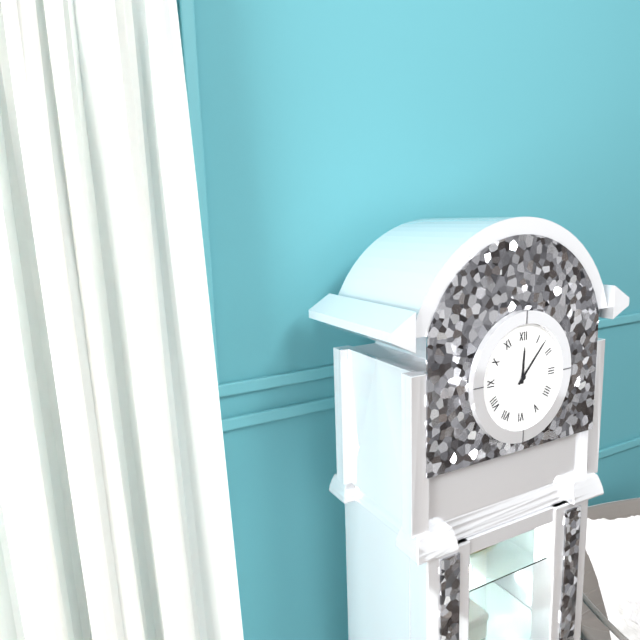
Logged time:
12h07
